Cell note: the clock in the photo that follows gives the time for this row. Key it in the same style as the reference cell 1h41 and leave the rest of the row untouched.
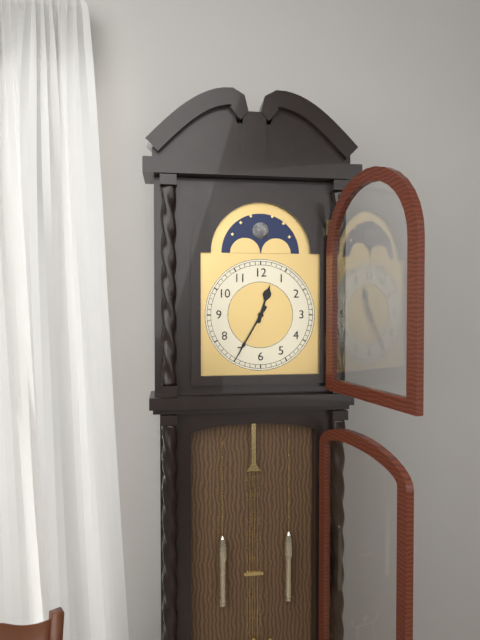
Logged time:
12h35
